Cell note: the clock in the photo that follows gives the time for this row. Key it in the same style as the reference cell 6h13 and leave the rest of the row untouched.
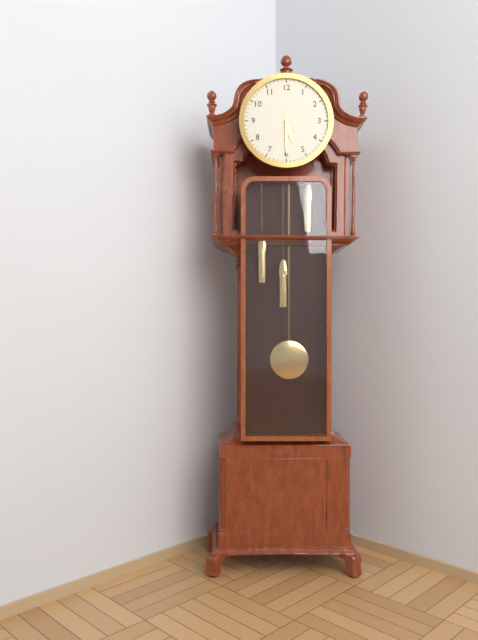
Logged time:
5h30
